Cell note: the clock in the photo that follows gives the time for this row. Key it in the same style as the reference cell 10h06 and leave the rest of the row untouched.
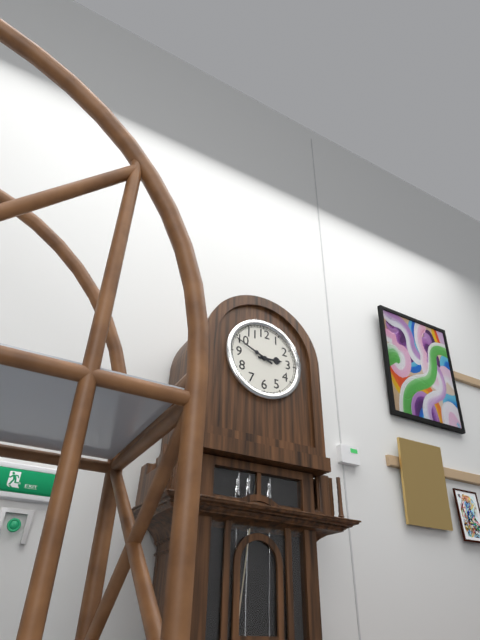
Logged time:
2h49
